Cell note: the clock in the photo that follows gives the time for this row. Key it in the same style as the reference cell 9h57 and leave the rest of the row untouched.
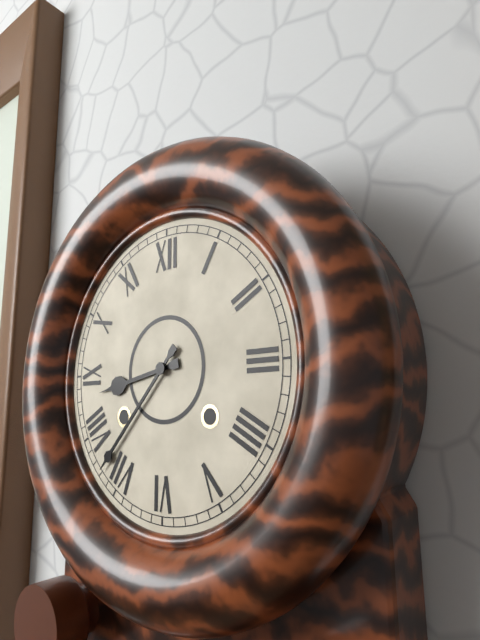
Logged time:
8h37
